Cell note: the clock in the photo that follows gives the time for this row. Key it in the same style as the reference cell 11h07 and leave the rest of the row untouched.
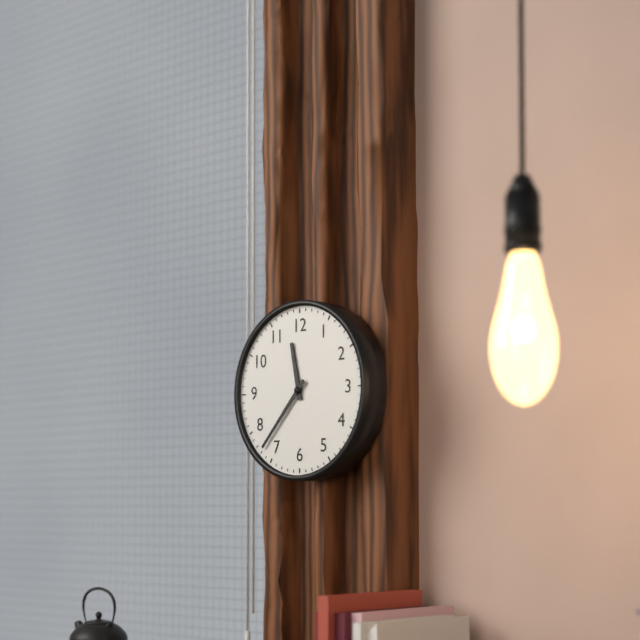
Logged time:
11h37
